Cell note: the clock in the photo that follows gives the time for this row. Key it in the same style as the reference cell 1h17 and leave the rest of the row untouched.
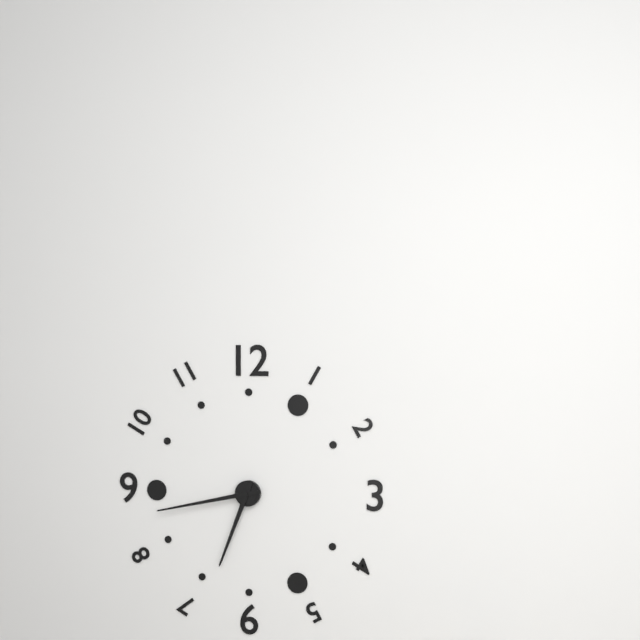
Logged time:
6h43
